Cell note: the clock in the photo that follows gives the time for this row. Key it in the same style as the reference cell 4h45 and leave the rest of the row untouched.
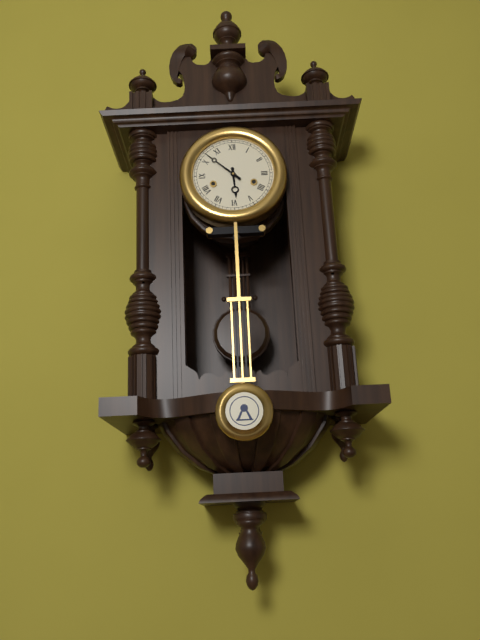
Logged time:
5h52
